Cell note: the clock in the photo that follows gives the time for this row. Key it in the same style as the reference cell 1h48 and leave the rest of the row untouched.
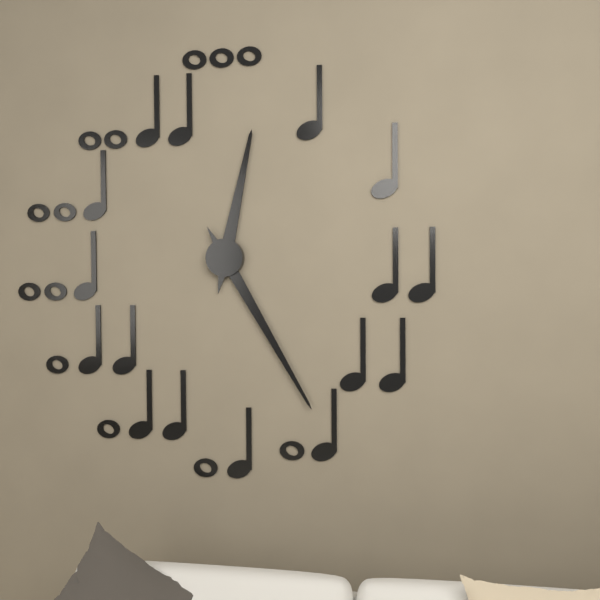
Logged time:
12h25
